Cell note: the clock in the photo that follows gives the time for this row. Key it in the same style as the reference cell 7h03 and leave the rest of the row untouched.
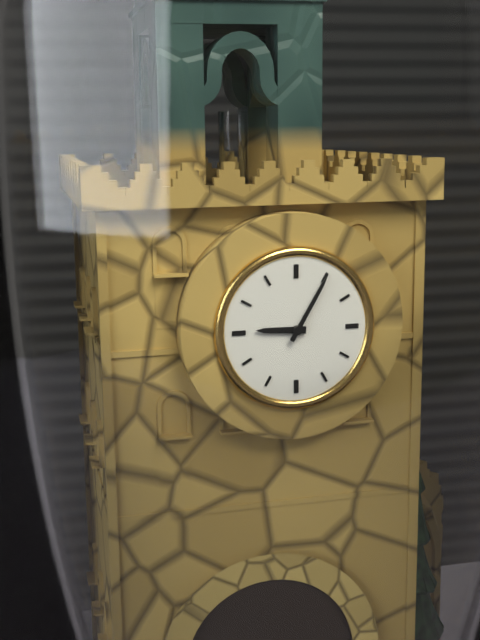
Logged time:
9h05
